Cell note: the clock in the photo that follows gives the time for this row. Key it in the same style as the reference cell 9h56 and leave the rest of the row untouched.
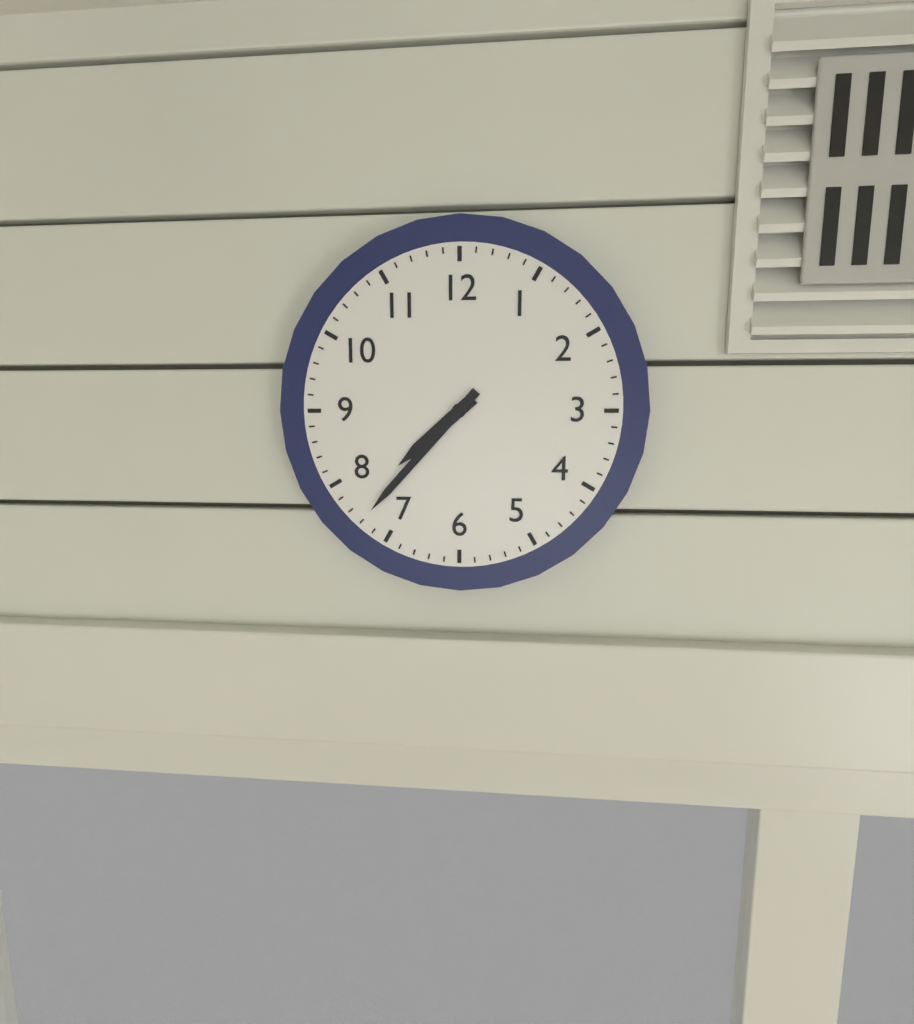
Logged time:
7h37
